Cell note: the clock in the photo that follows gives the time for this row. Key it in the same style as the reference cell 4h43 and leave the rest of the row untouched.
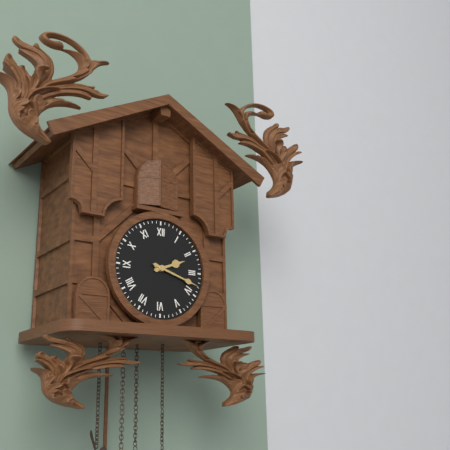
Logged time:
2h18
